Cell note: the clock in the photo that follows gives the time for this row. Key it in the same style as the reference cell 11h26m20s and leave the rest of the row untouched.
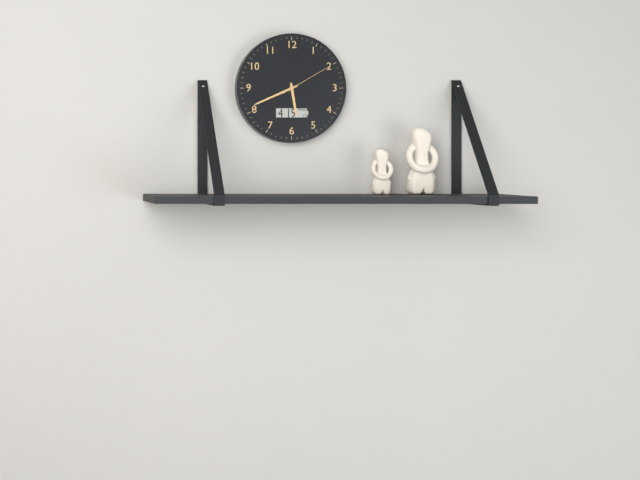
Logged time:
5h41m10s
